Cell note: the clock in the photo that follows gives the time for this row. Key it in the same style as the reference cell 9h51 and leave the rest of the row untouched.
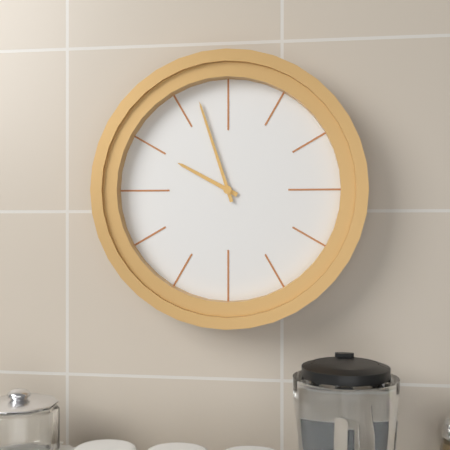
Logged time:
9h57
